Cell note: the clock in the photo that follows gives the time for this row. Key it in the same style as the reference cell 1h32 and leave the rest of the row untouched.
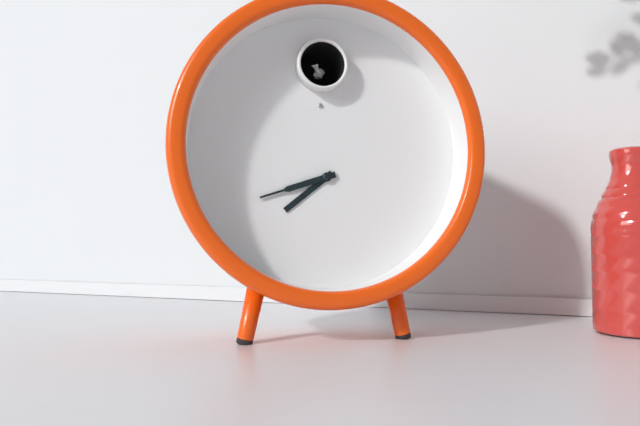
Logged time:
7h42
